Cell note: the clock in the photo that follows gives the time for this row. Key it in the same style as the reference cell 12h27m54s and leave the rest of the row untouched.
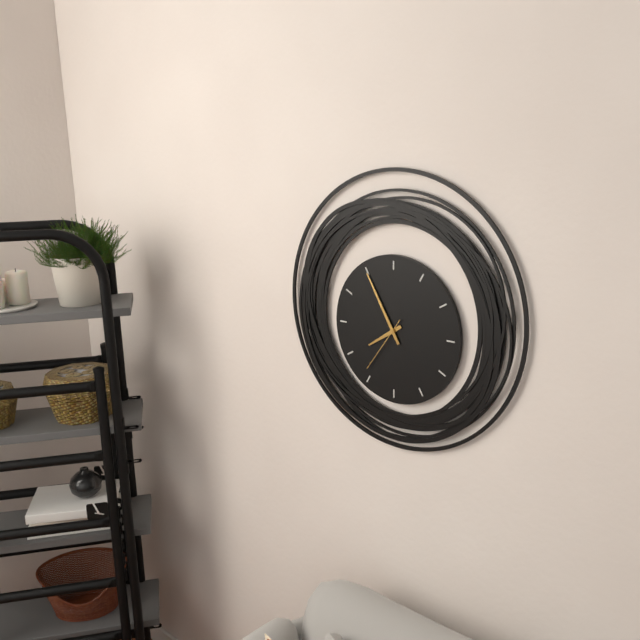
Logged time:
7h55m36s
